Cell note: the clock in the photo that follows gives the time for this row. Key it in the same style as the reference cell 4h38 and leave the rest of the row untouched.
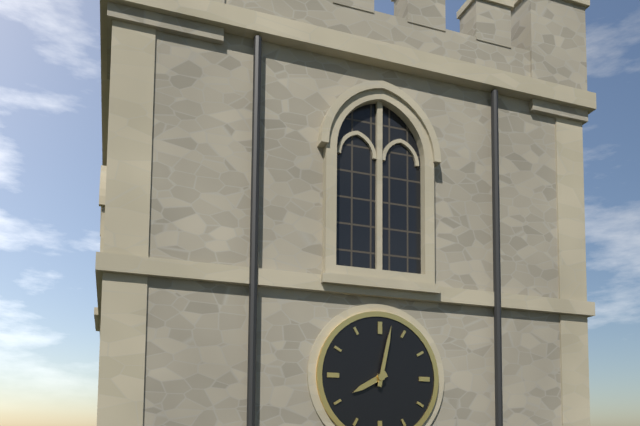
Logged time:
8h02
